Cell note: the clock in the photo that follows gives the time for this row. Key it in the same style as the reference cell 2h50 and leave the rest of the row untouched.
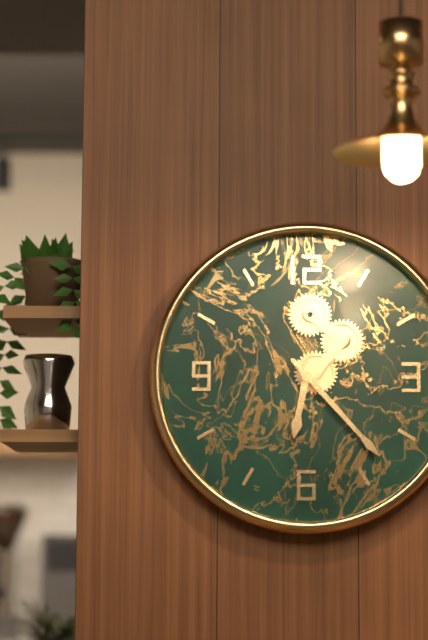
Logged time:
6h23
